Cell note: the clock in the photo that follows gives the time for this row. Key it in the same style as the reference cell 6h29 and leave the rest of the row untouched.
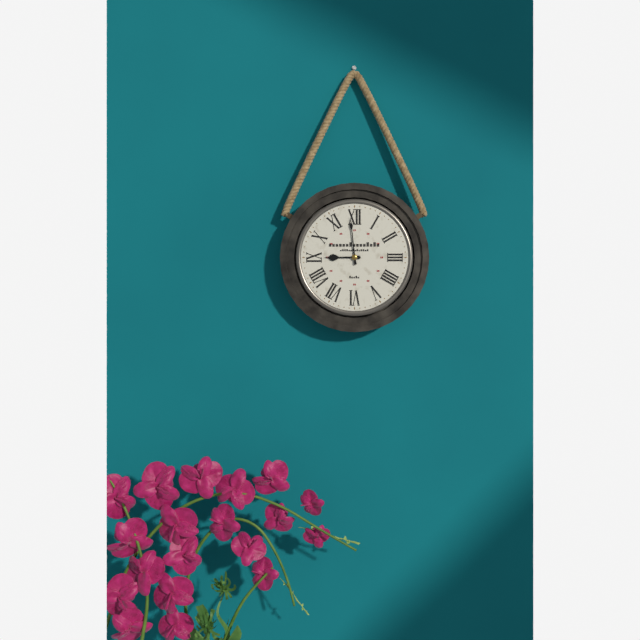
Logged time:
8h59
